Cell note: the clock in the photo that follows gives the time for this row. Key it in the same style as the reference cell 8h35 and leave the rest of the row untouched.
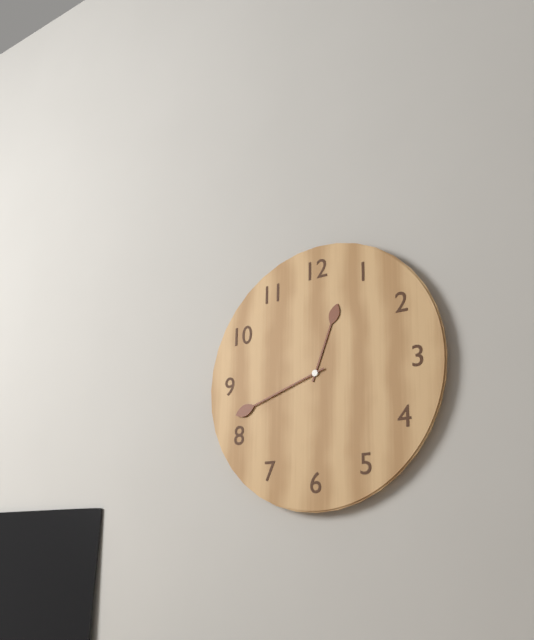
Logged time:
12h42
